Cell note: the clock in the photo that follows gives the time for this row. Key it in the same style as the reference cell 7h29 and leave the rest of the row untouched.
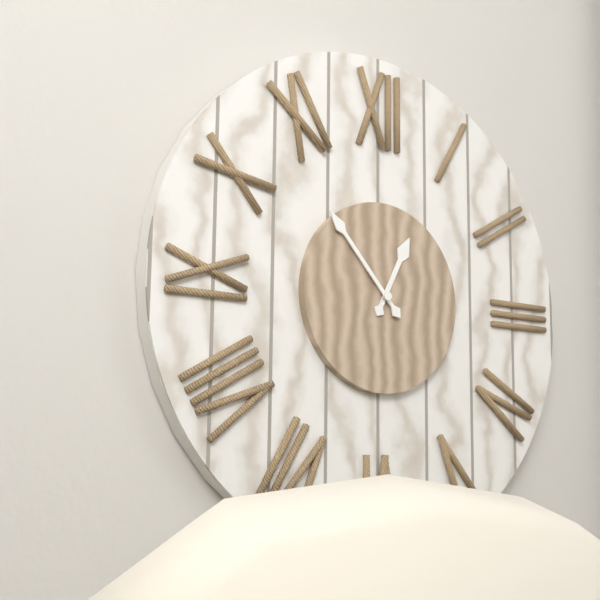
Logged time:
12h53
